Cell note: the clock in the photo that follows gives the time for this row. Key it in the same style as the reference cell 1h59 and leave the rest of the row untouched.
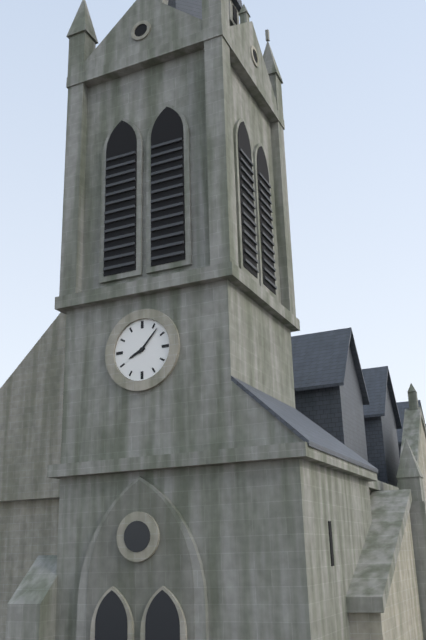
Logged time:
8h07
